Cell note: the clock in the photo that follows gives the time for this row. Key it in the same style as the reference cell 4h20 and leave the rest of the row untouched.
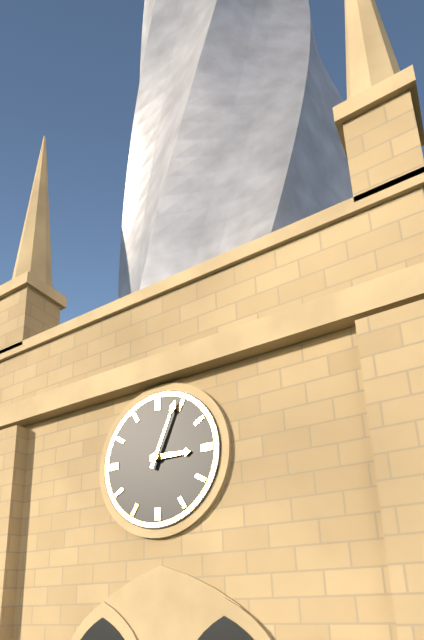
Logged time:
3h04
